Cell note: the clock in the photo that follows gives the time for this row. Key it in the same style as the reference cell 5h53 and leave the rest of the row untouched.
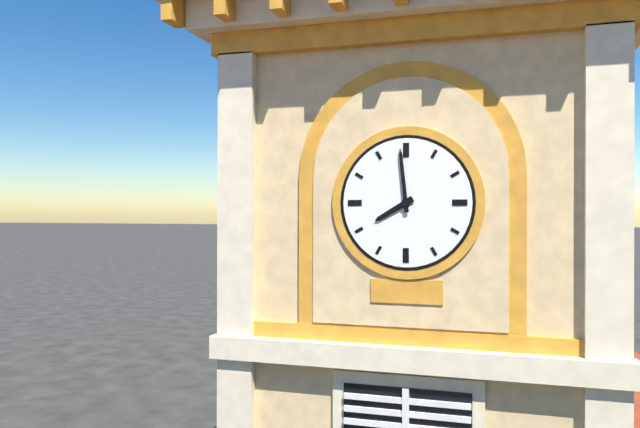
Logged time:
7h59
